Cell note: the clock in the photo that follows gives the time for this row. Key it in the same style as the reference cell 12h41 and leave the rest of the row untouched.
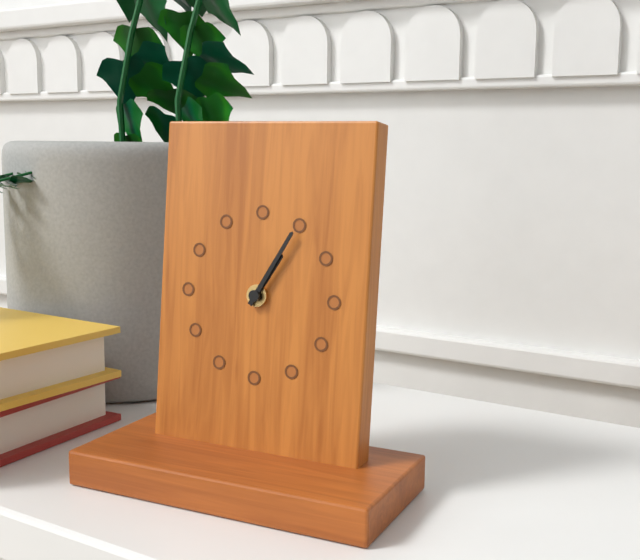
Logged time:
1h05
